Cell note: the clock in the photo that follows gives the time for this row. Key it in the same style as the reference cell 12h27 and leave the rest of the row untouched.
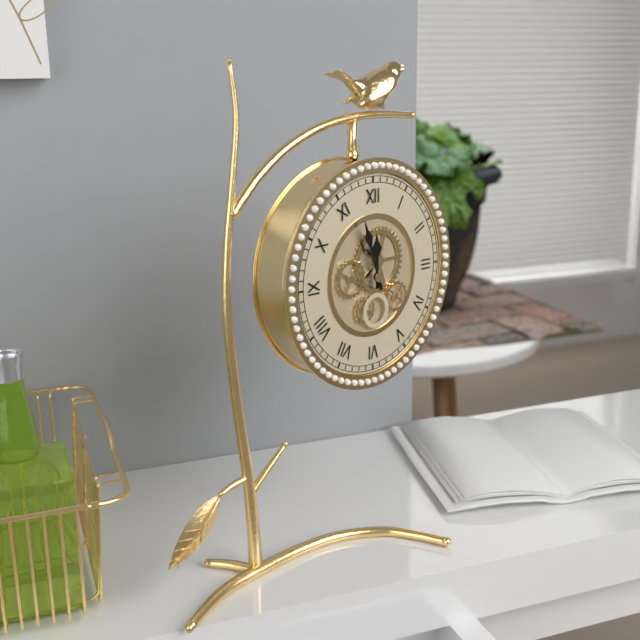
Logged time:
11h57
